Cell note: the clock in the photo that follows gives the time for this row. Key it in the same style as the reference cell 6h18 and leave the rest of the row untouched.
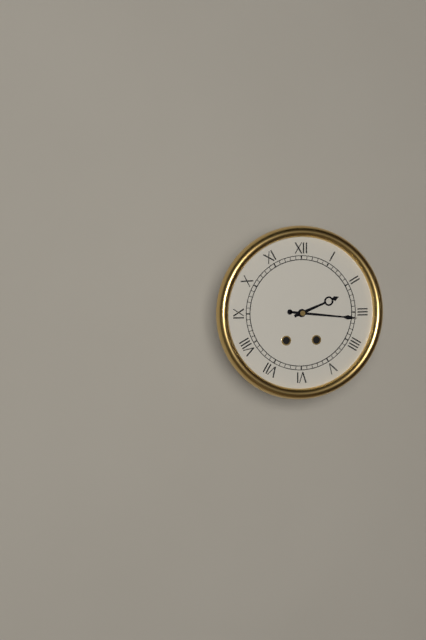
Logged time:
2h16
